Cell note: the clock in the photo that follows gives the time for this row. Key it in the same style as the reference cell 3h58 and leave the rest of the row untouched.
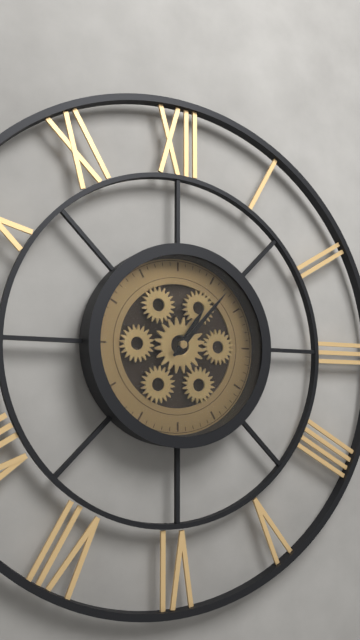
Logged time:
1h07
